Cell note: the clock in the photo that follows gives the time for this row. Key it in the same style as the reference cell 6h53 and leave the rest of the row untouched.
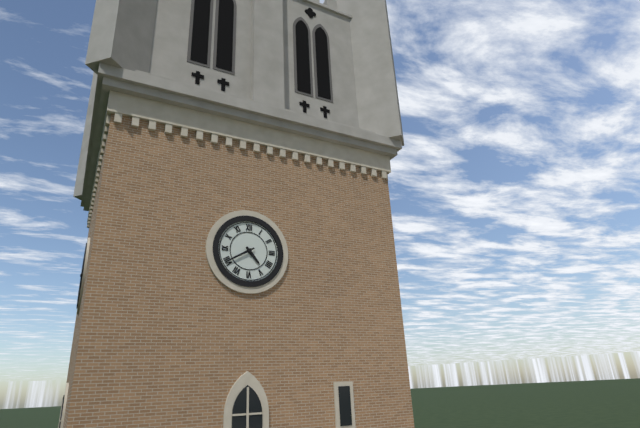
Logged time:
4h40
